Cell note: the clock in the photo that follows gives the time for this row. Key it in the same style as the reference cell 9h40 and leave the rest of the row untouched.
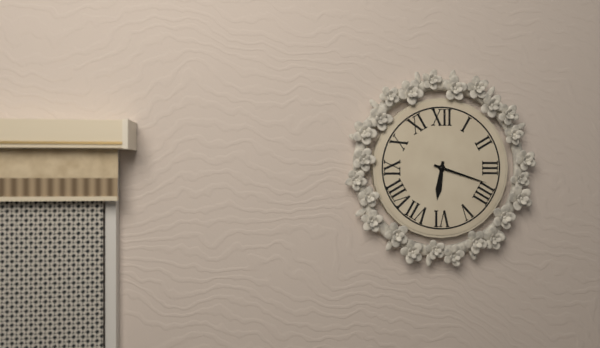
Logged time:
6h18
